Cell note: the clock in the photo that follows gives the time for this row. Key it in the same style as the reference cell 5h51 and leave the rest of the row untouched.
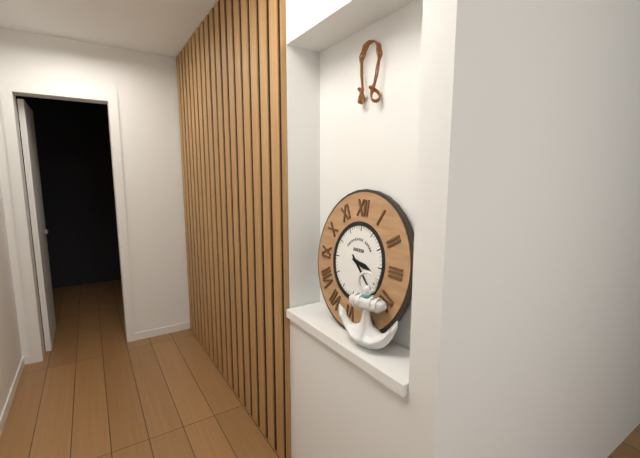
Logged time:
3h22
